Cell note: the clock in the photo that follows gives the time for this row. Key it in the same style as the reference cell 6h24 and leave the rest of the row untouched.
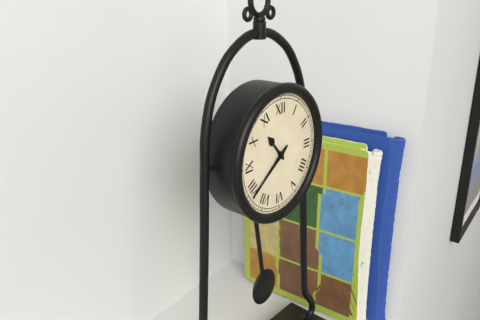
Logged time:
10h39
